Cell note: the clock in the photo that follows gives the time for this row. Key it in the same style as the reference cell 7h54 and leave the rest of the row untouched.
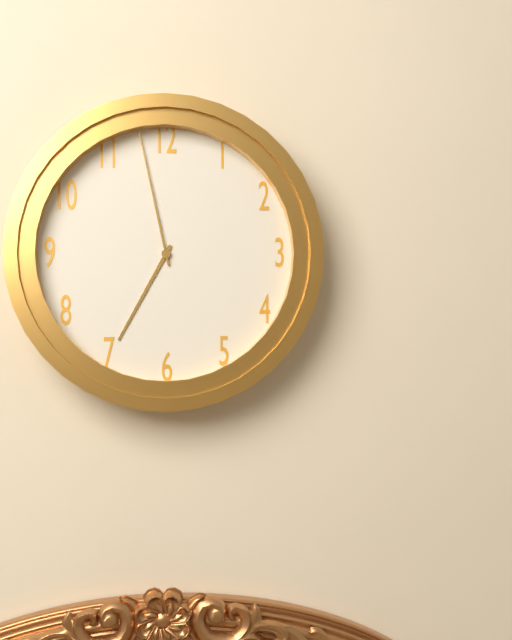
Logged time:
6h58
